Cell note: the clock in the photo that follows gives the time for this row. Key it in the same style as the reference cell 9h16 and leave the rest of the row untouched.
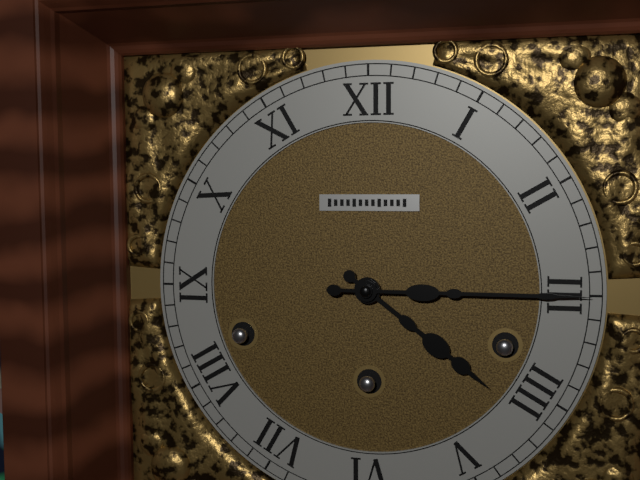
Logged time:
4h15
